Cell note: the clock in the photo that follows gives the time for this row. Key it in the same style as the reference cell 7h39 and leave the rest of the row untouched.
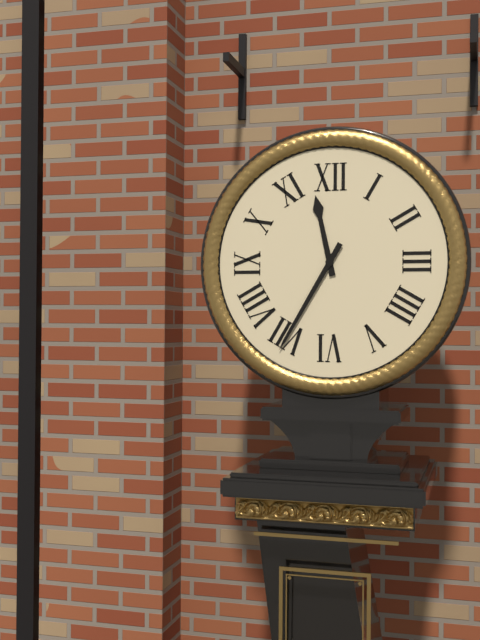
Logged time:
11h35
